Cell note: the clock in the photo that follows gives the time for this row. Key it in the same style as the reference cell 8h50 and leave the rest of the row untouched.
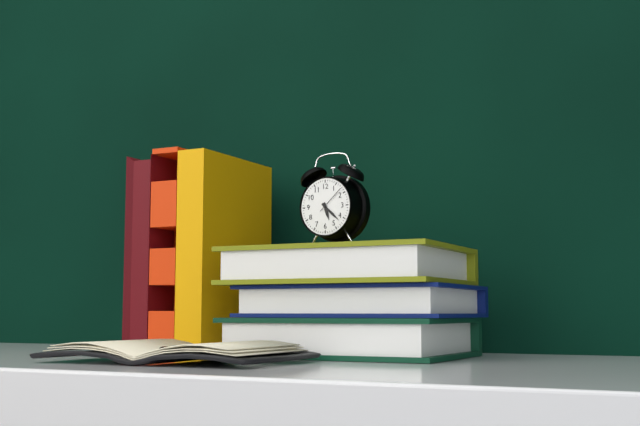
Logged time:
5h22
